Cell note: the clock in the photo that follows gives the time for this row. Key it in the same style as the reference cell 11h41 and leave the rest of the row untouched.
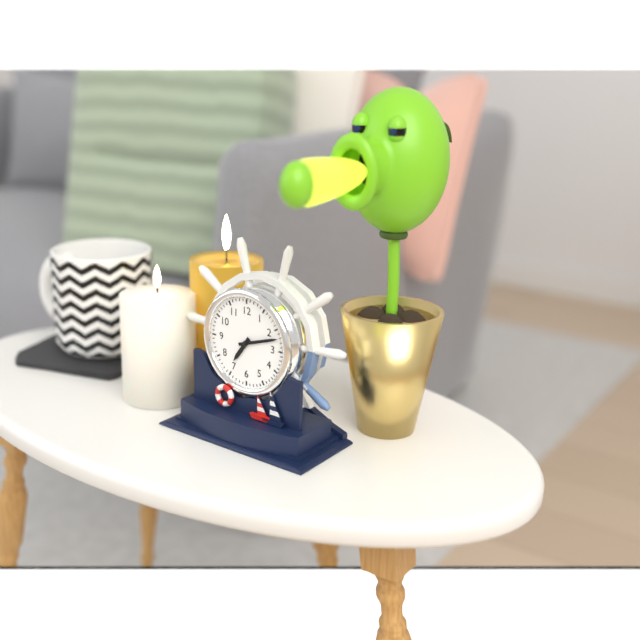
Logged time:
7h12
